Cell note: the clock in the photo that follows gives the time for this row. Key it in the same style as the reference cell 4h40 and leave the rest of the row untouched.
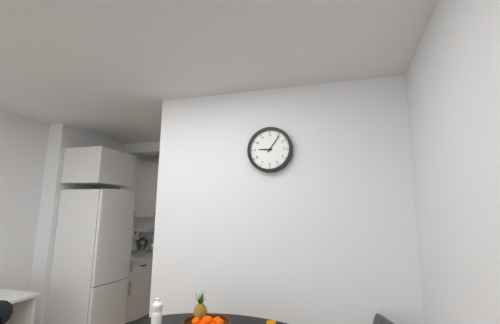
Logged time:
9h06
